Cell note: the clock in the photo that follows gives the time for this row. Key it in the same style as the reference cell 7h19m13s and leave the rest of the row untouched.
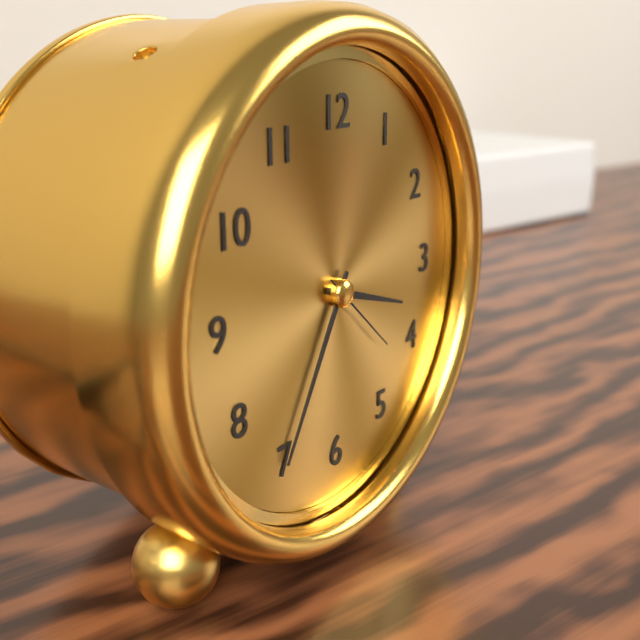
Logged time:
3h35m22s
